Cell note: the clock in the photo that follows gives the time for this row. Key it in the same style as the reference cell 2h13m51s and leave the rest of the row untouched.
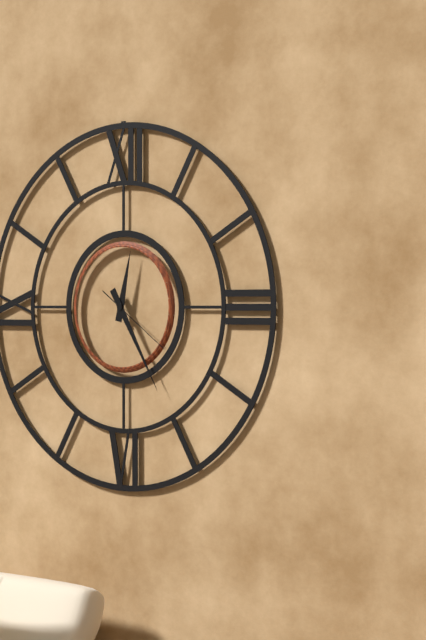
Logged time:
12h25m21s
